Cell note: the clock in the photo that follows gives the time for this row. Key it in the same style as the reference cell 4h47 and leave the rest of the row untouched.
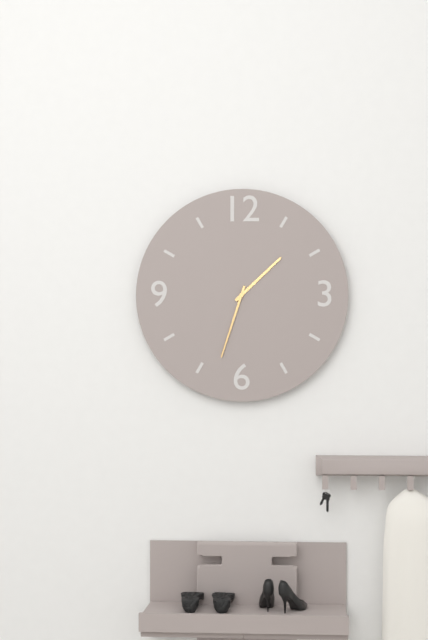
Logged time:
1h33
